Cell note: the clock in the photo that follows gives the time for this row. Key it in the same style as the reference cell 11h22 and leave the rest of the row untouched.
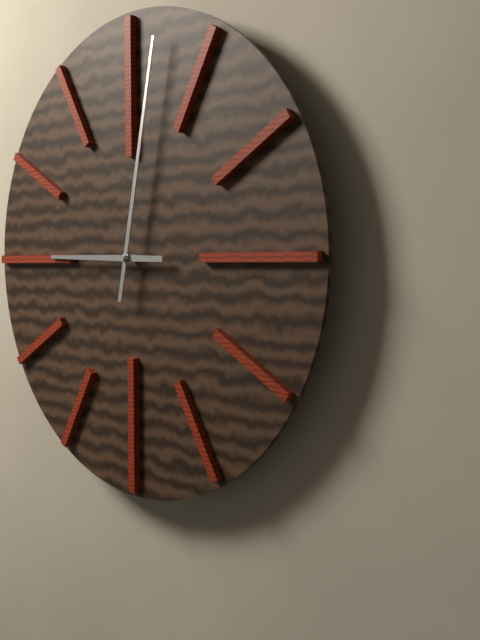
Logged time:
9h02
